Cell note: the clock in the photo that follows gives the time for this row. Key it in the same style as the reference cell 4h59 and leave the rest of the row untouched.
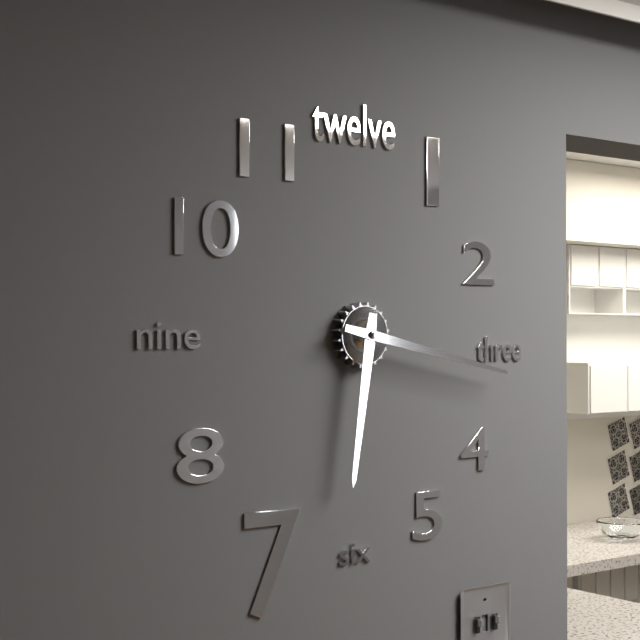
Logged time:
6h17
